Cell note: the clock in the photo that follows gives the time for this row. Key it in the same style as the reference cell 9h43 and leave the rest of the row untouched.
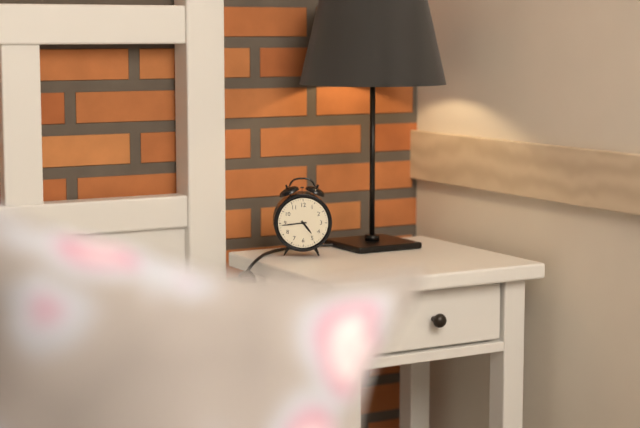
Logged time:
4h44
